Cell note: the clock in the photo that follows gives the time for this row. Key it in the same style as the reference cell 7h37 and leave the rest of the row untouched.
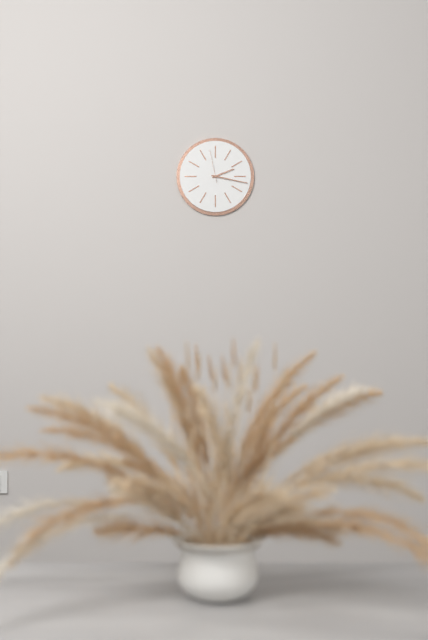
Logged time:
2h17
